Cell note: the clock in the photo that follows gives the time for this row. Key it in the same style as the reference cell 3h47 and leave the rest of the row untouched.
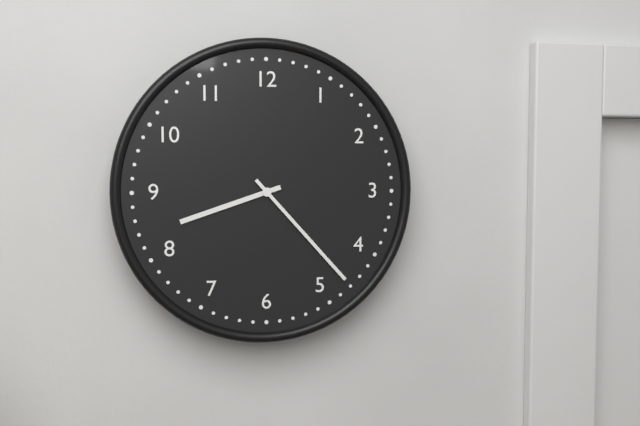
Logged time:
8h23
